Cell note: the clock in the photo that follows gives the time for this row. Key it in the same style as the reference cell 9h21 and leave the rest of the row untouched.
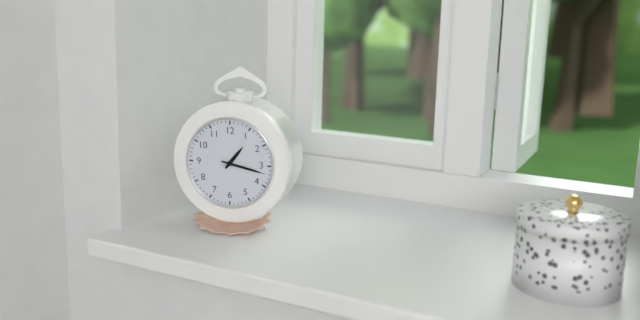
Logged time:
1h17
